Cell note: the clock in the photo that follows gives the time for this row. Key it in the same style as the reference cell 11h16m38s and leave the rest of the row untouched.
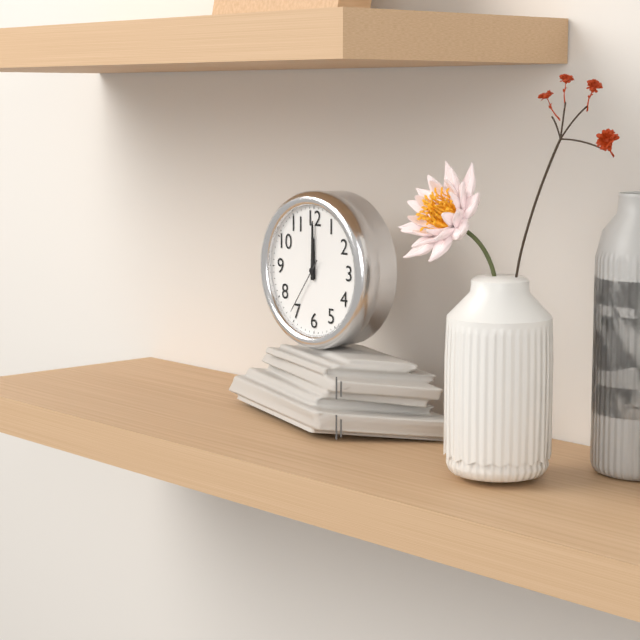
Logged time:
12h00m36s
